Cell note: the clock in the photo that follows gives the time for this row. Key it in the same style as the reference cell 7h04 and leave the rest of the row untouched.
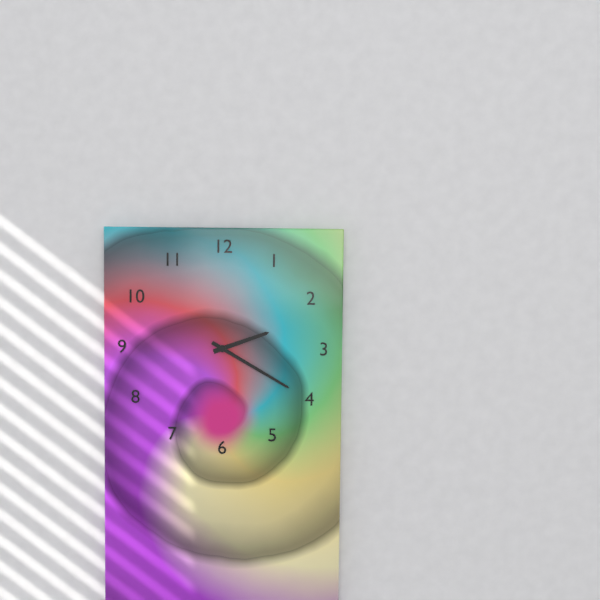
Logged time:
2h20
